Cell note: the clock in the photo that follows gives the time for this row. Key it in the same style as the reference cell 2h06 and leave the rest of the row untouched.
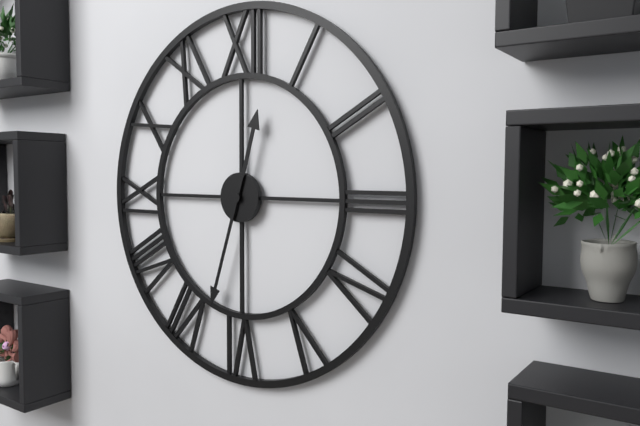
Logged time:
12h33
